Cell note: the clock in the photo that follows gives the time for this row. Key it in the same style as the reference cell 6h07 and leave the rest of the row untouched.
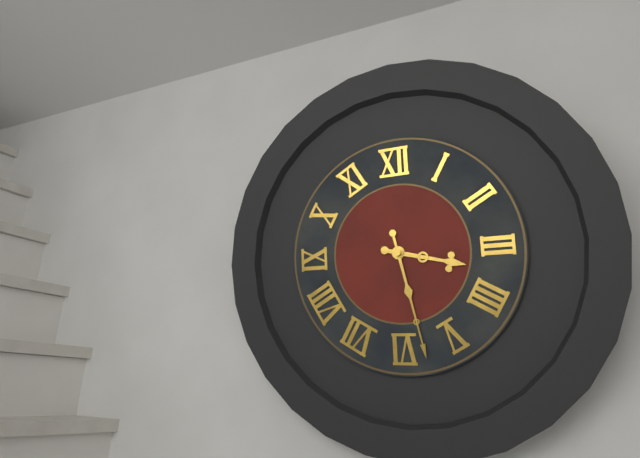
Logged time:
3h28
